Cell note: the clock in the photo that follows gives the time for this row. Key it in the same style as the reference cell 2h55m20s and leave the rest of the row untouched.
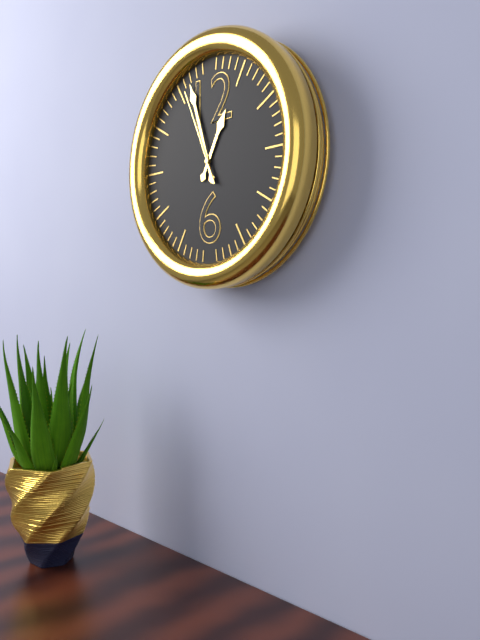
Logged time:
12h57m56s
